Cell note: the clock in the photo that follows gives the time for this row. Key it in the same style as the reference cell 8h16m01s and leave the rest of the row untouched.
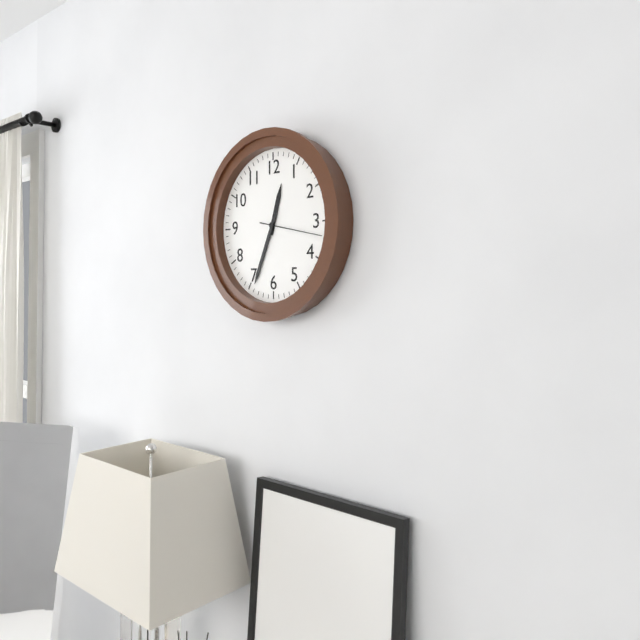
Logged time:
12h34m17s
